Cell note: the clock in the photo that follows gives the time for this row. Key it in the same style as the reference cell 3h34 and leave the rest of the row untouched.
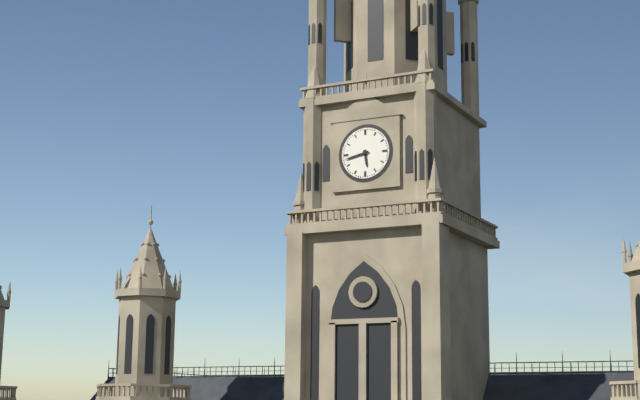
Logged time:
5h43
